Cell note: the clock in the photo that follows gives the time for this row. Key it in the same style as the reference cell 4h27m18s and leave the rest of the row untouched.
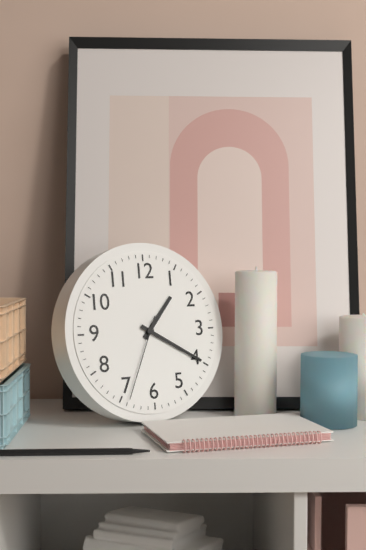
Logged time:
1h20m34s
